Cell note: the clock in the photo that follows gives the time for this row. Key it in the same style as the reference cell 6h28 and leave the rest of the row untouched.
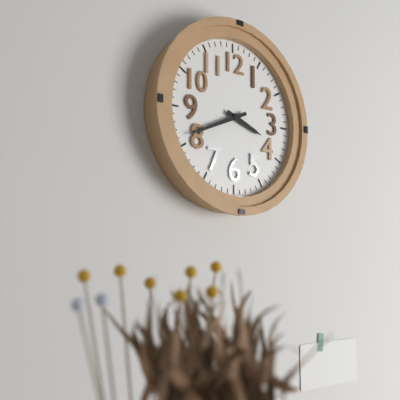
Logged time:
3h41
